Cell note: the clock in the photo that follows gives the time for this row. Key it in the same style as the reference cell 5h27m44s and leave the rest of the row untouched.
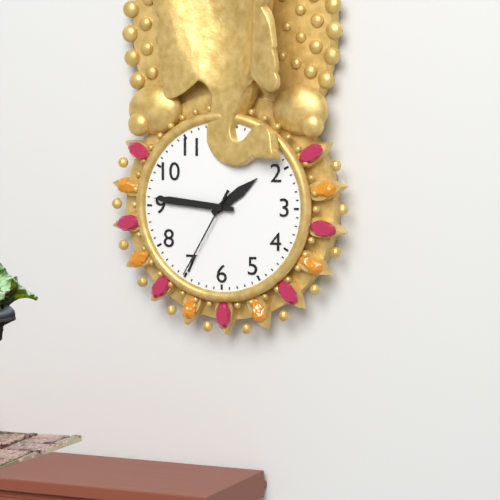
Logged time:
1h46m35s
